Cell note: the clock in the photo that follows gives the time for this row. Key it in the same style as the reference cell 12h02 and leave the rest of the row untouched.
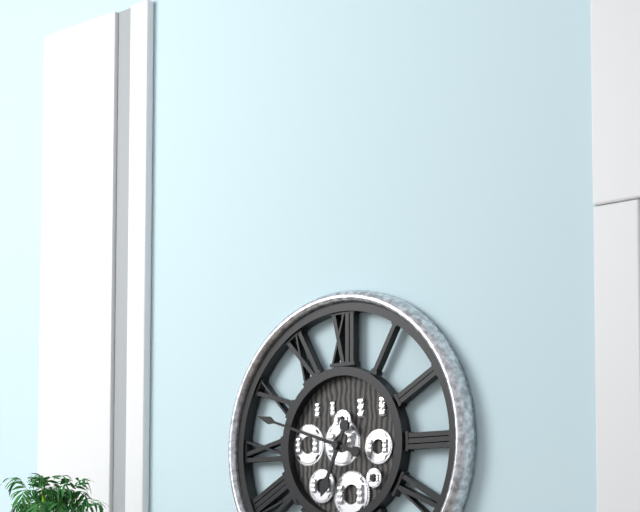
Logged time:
6h48
